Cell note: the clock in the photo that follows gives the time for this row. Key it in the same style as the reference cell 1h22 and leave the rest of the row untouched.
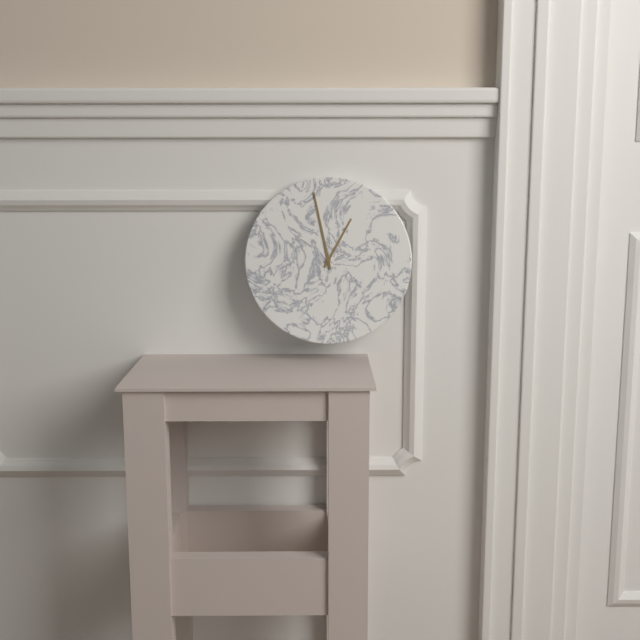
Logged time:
12h58
